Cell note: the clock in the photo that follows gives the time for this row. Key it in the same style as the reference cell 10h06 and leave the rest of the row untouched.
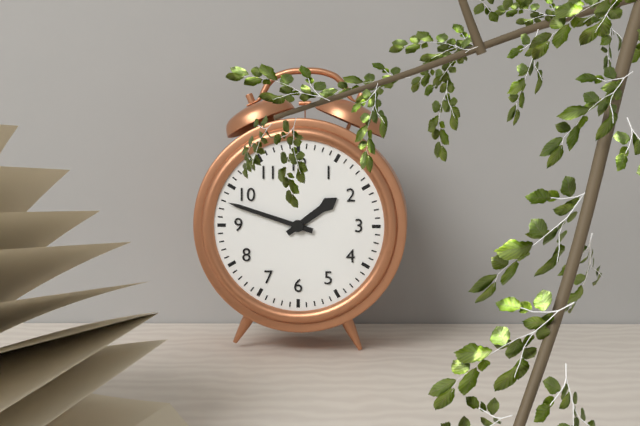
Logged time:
1h48
